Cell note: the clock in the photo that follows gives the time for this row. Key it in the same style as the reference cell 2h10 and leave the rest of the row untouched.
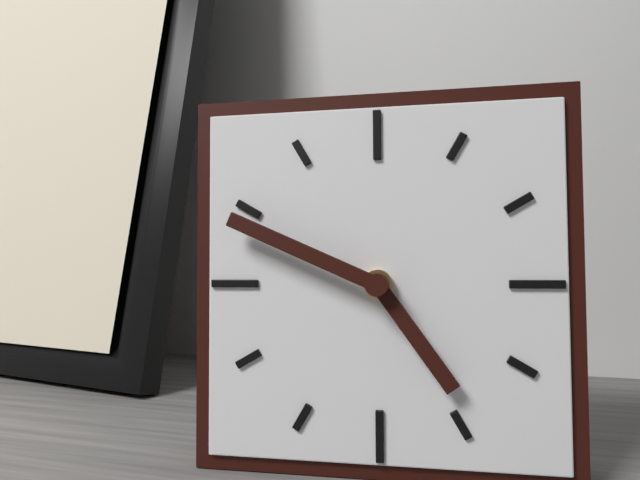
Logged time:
4h49
